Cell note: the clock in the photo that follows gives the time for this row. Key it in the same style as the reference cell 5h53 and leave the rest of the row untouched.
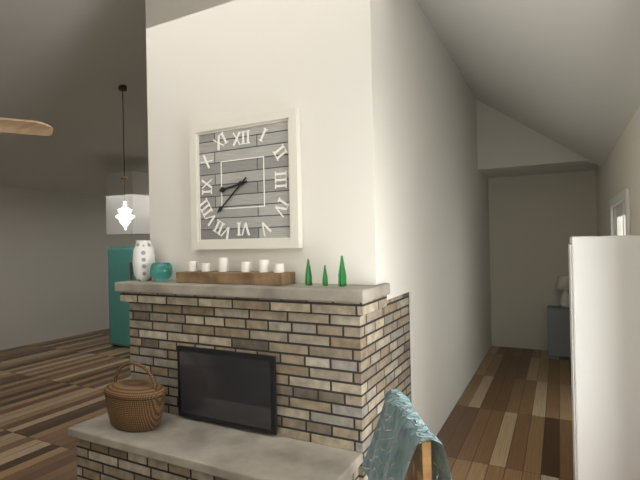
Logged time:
8h38
